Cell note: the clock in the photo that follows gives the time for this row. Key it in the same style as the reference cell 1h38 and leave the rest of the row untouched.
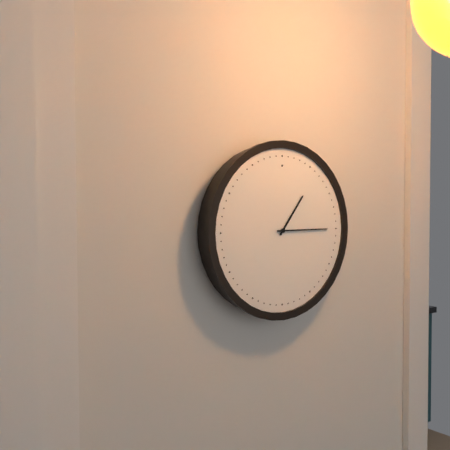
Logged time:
1h15
